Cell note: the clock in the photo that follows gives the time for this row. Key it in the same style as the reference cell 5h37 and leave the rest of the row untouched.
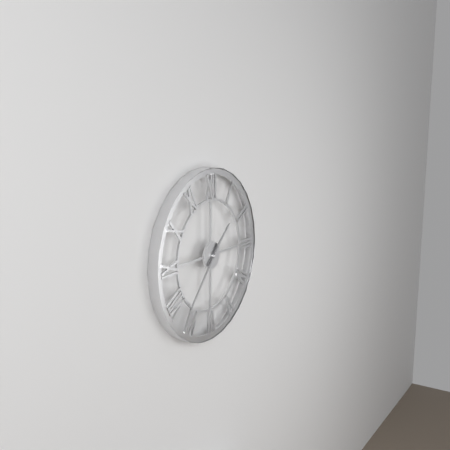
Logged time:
1h37
